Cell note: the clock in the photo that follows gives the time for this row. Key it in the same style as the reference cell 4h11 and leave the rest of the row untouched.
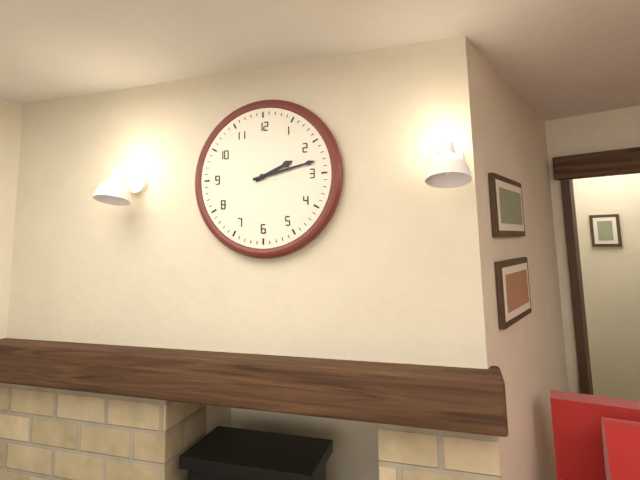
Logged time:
2h13
